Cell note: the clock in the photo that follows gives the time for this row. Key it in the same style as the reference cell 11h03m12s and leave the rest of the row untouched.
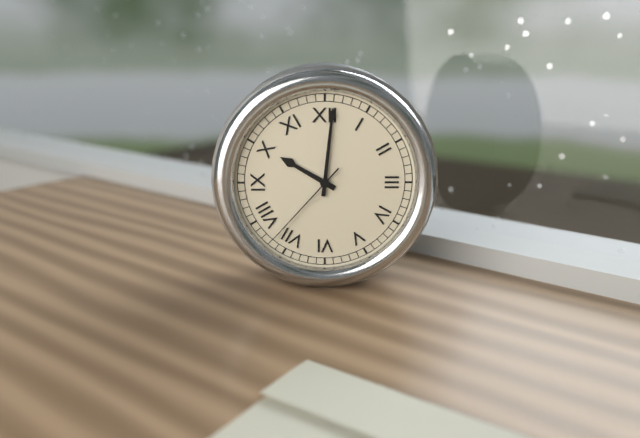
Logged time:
10h01m37s
